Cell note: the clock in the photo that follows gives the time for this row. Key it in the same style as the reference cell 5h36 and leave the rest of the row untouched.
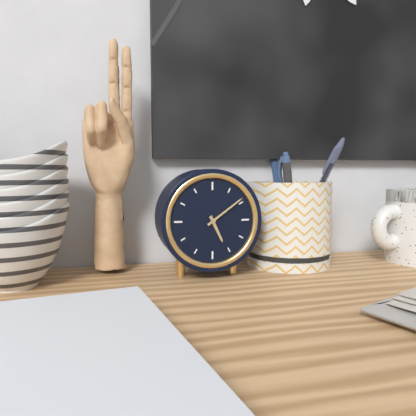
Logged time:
5h09
